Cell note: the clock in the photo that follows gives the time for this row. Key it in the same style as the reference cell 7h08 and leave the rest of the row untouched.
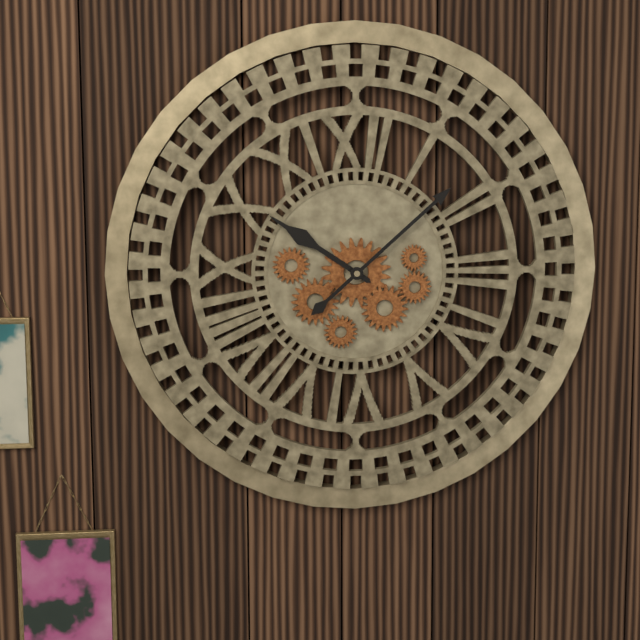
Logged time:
10h08
